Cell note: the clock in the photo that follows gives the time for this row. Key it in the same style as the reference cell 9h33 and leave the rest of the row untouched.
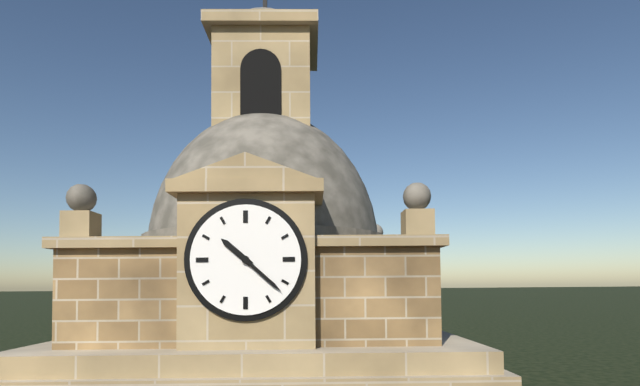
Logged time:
10h22
